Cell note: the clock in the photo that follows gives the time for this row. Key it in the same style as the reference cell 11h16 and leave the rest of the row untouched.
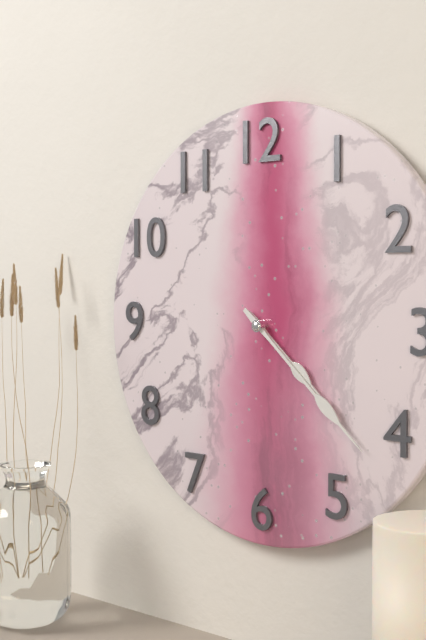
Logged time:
4h22
